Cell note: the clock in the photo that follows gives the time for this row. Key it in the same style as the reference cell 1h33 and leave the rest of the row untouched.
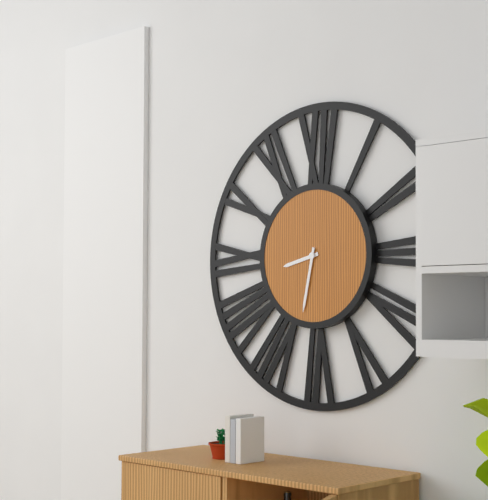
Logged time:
8h32
